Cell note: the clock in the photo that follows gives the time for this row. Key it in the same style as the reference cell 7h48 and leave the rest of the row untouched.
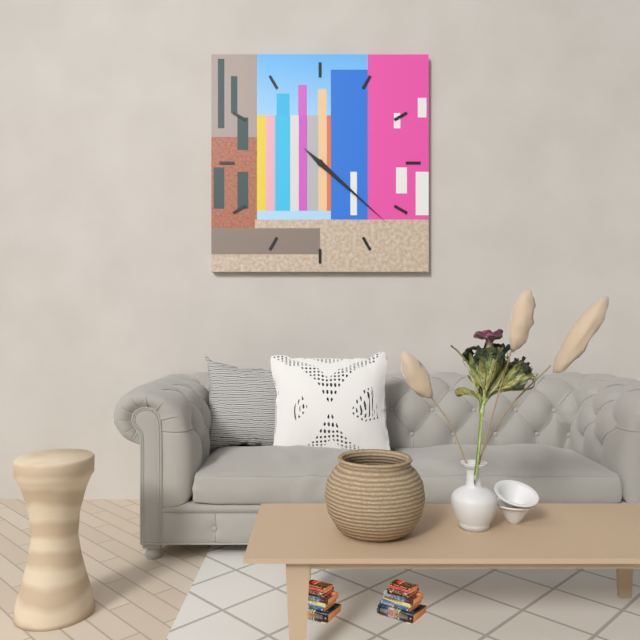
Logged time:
4h22
